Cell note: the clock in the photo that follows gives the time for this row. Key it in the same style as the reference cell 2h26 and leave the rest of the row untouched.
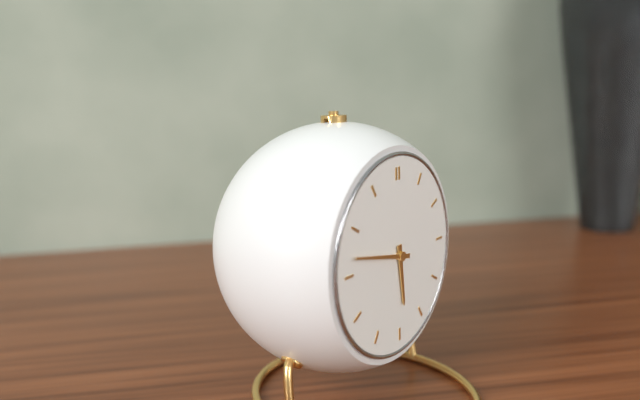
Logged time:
5h47
